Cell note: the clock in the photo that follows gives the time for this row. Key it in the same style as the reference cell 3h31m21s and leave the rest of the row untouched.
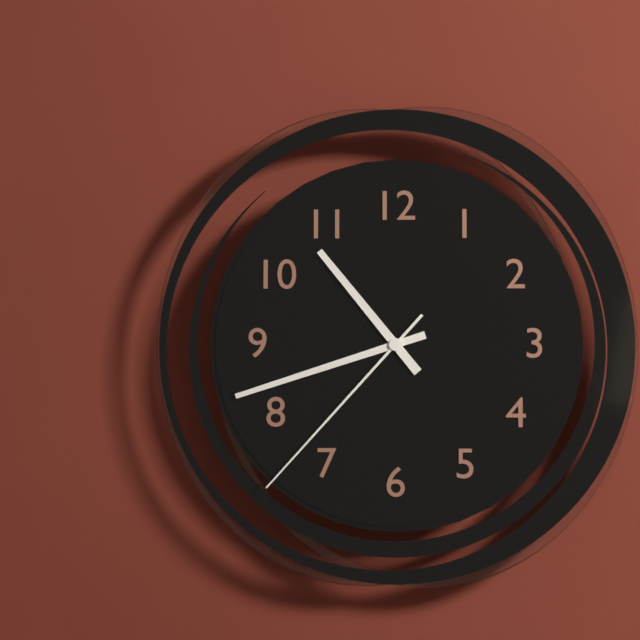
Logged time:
10h42m37s
